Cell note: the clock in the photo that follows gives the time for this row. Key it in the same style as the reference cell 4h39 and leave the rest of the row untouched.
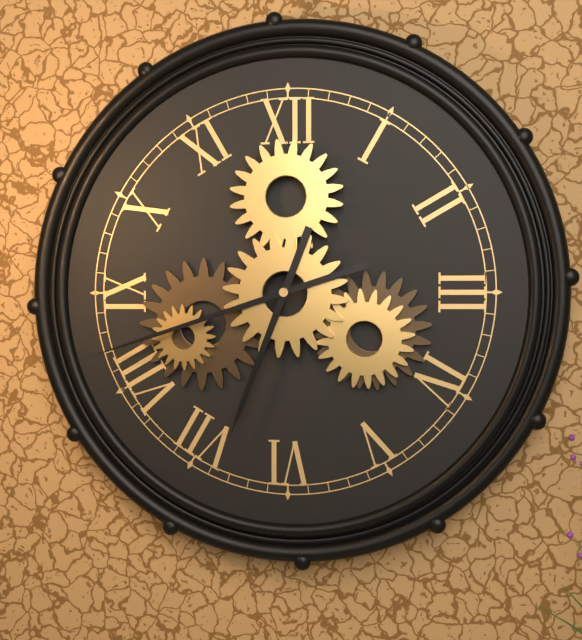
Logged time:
6h42
